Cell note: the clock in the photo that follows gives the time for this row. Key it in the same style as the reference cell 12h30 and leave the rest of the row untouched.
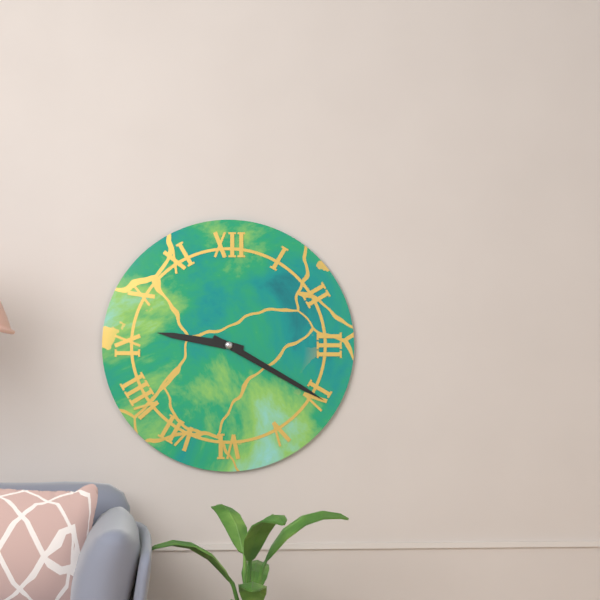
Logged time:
9h20
